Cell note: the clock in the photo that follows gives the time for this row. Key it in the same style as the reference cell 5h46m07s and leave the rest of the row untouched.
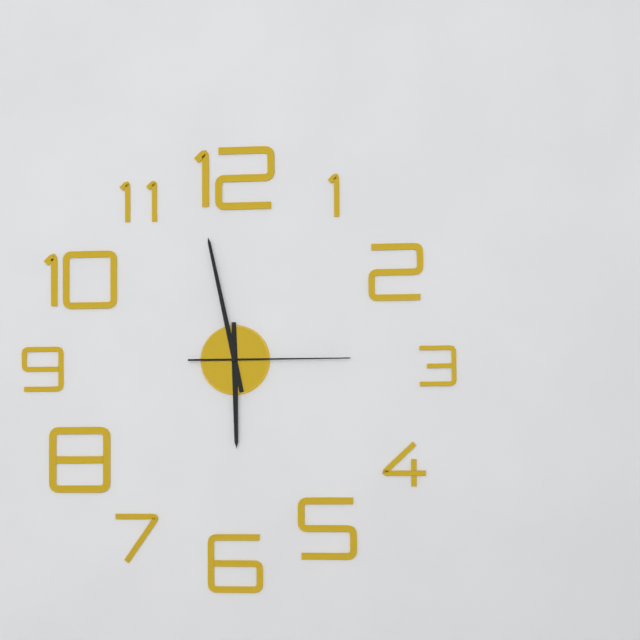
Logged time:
5h58m15s
